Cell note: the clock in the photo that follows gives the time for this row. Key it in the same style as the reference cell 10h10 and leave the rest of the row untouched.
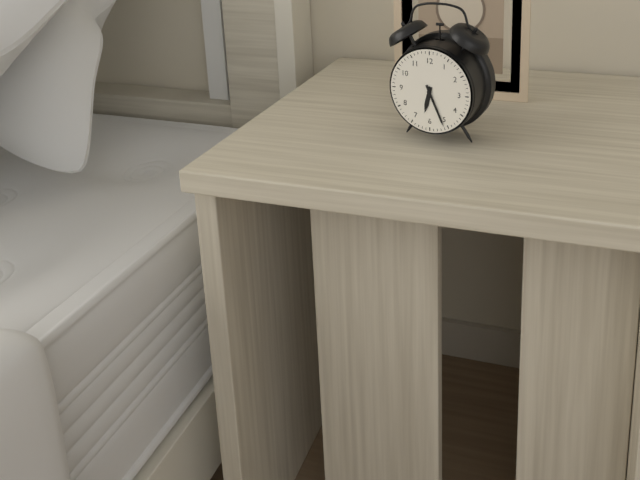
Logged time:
6h26
